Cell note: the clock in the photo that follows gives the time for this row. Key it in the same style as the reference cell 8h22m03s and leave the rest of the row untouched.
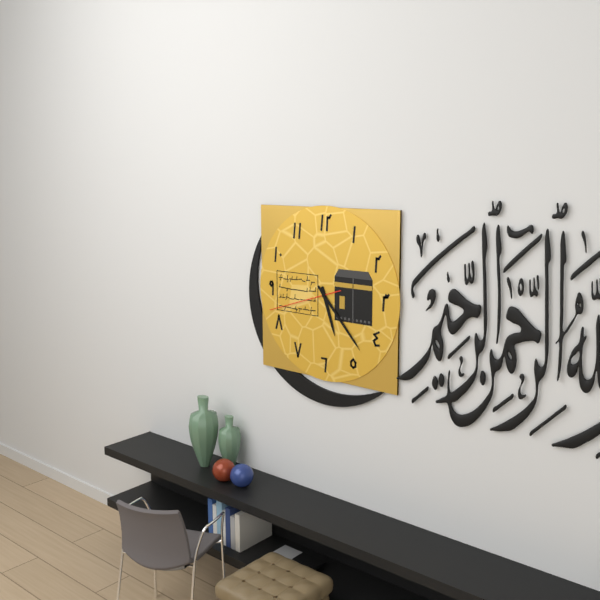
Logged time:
5h23m42s
